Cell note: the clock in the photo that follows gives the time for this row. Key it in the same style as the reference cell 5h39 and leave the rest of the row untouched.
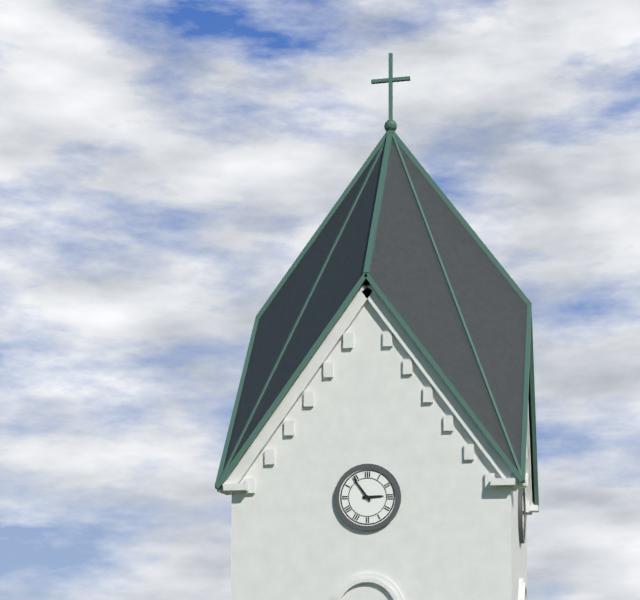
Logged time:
2h54
